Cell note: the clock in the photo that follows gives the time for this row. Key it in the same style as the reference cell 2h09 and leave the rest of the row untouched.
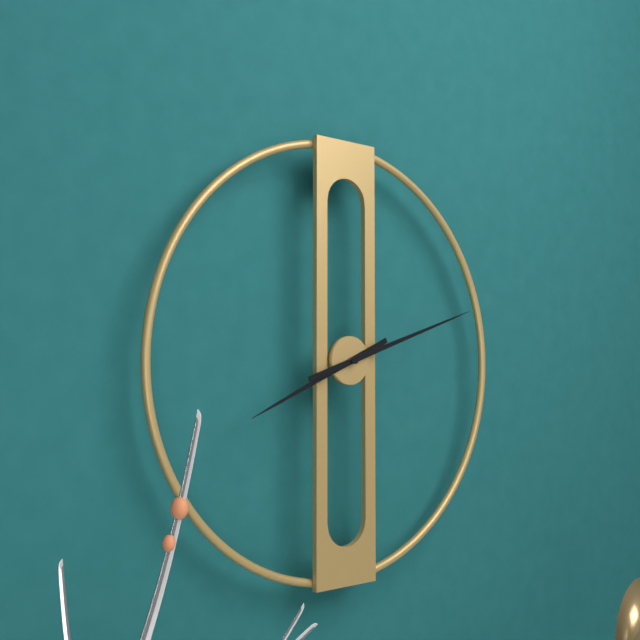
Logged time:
8h12
